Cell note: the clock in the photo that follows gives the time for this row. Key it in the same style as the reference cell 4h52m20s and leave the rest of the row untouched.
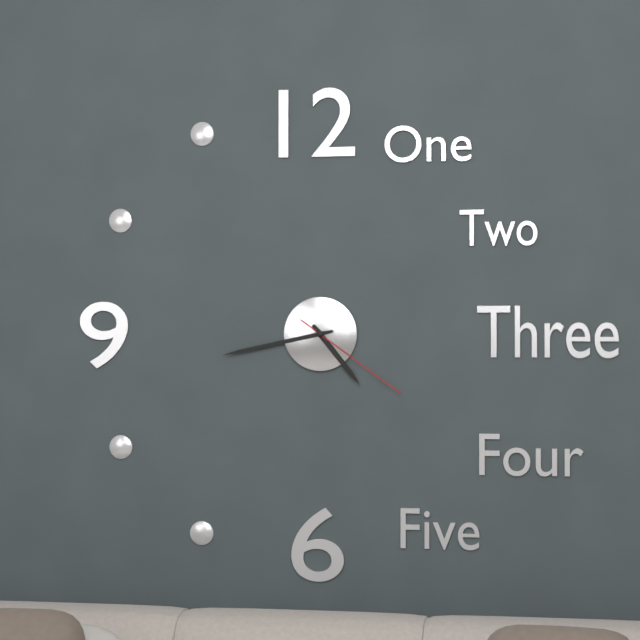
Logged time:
4h43m21s
